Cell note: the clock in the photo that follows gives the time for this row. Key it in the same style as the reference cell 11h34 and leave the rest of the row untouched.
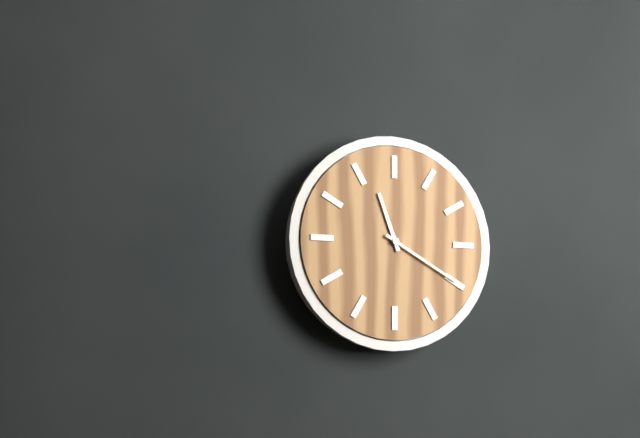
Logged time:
11h20
